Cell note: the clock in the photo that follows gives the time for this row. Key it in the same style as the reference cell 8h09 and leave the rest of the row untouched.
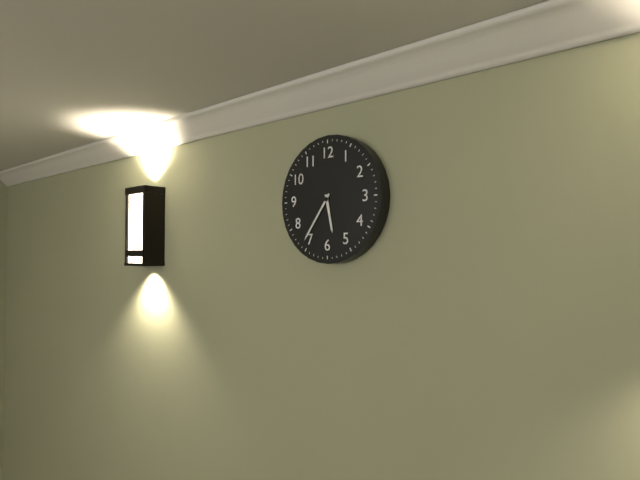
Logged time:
5h36
